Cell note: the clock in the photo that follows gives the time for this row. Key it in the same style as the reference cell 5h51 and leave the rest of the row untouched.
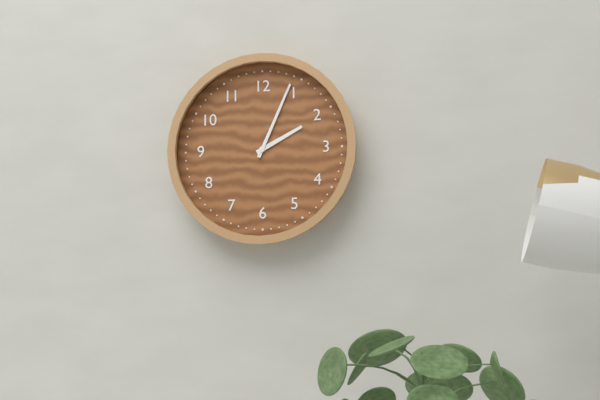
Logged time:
2h04
